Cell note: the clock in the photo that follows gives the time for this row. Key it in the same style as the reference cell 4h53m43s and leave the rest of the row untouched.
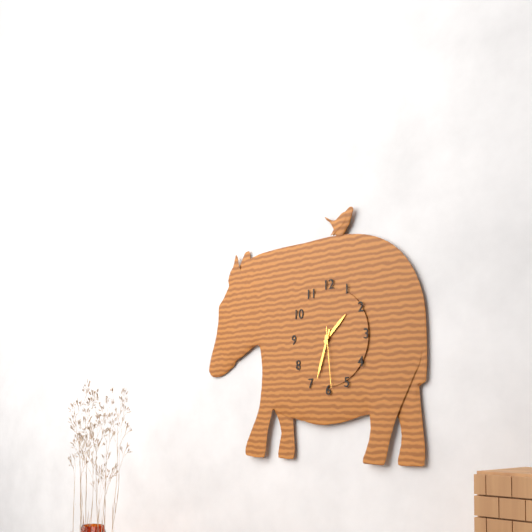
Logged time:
1h33m29s
